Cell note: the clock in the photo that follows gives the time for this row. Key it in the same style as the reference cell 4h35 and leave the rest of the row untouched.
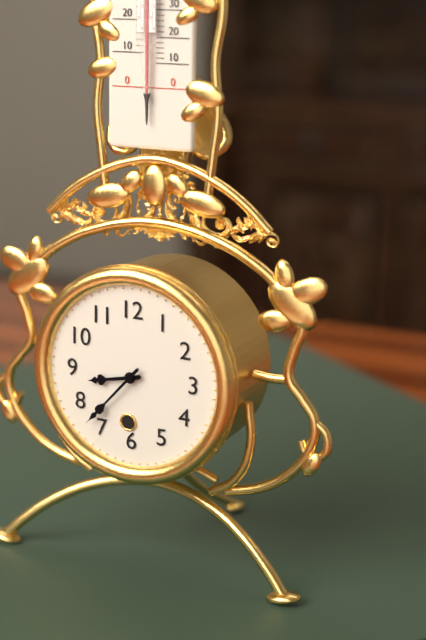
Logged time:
8h37
